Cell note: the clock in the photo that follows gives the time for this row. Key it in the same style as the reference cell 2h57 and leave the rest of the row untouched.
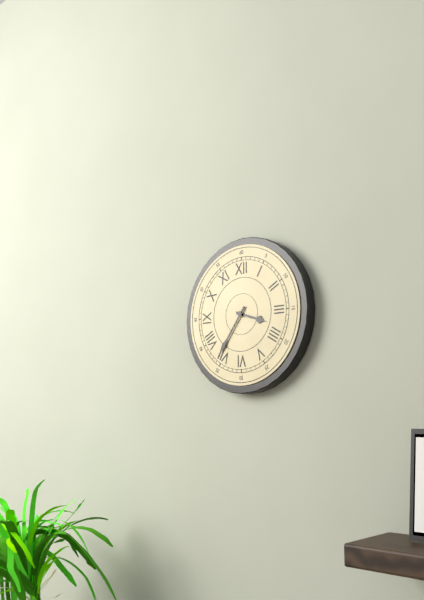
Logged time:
3h36
